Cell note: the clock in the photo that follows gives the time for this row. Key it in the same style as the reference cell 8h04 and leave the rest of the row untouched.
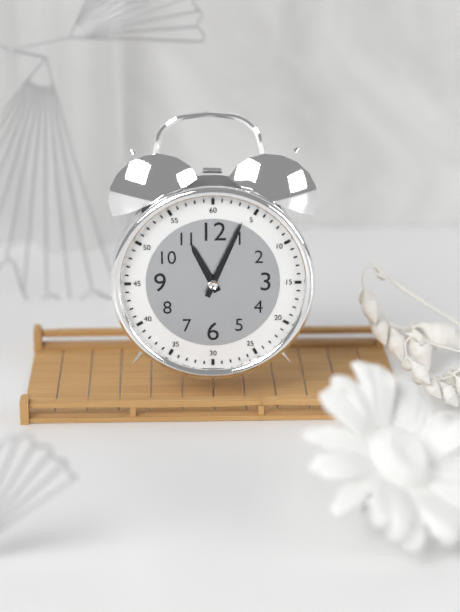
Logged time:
11h04
